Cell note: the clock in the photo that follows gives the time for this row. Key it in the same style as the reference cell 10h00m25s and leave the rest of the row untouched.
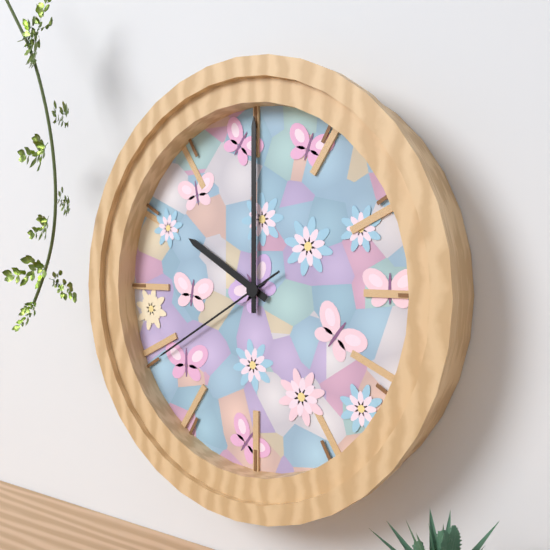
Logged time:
10h00m40s
